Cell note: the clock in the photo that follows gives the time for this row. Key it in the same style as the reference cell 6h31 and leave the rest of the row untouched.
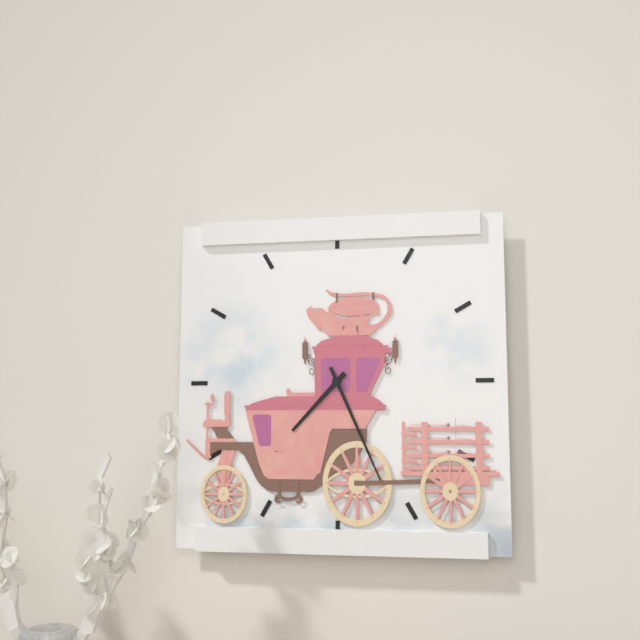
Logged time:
7h26
